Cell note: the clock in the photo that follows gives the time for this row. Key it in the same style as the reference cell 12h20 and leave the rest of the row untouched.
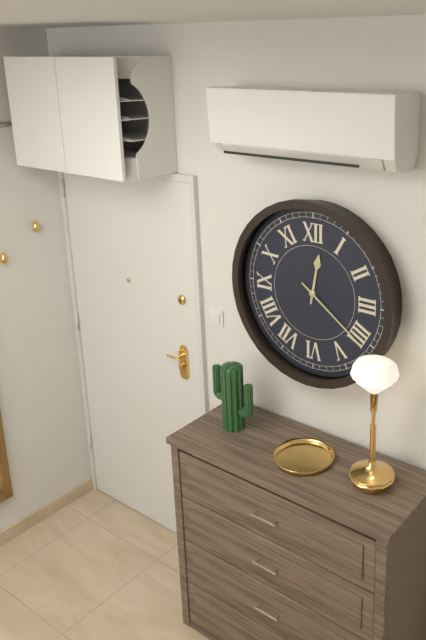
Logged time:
12h21
